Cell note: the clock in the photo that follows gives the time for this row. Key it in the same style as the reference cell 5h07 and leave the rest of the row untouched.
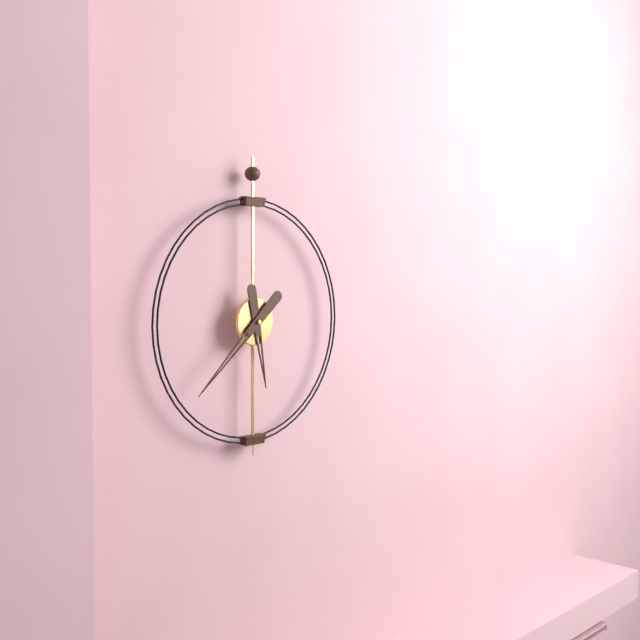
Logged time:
5h38
